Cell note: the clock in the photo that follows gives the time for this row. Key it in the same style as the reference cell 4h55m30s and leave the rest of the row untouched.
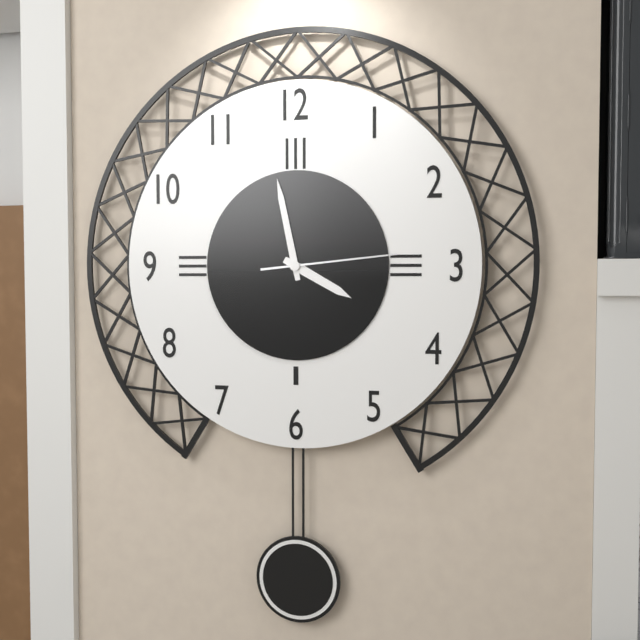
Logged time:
3h58m14s
